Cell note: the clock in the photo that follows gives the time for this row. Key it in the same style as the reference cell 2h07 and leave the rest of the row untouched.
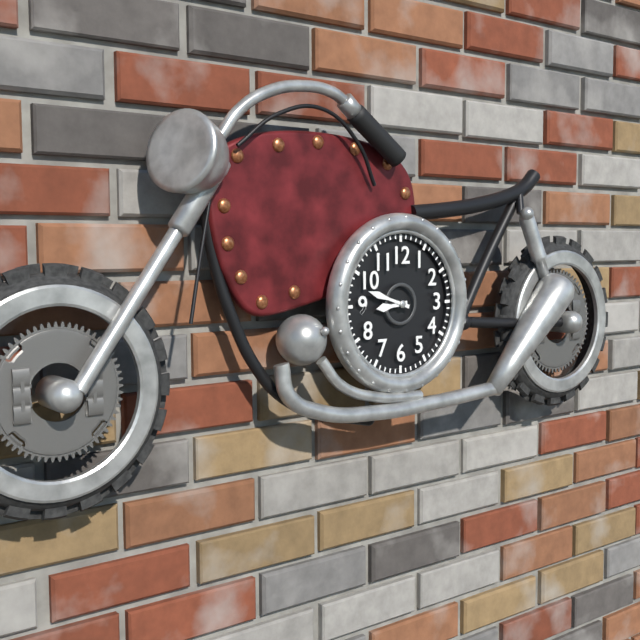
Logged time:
8h48
